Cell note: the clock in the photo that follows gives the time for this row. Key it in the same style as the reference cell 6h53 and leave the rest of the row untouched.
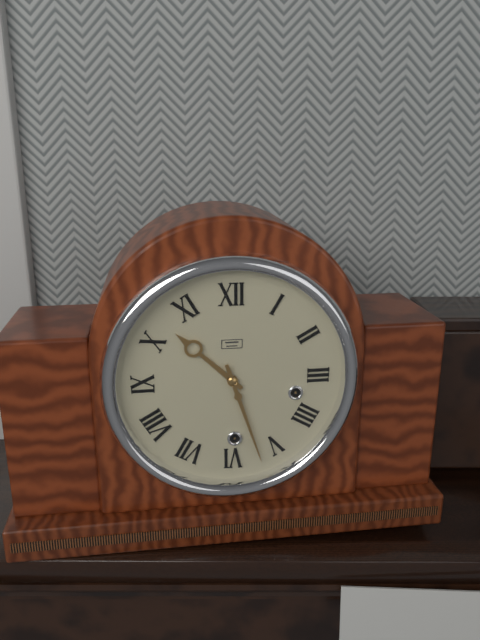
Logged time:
10h27
